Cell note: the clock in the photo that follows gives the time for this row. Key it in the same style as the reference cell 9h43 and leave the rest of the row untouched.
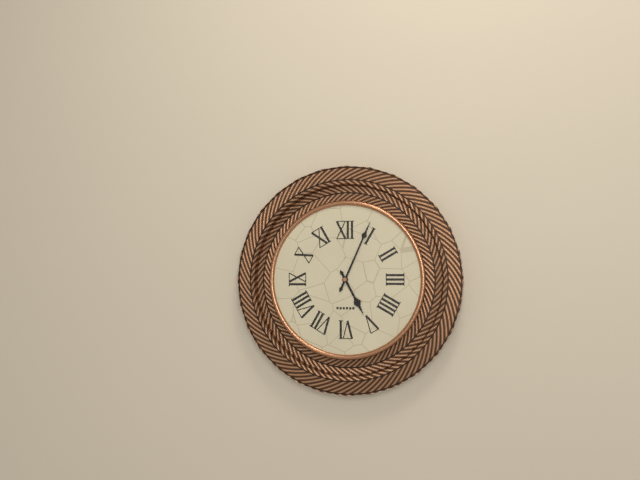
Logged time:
5h04
